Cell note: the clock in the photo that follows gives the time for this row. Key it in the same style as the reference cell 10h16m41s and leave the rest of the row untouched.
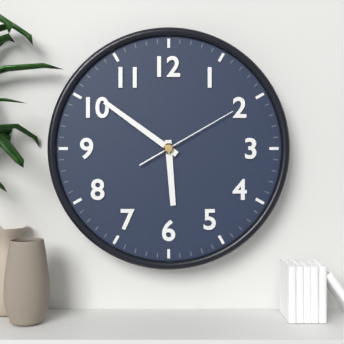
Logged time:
5h51m10s
